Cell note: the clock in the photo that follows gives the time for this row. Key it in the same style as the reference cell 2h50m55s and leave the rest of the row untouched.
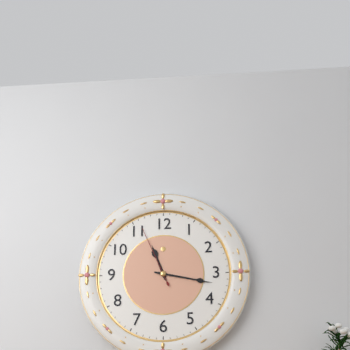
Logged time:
11h17m56s
